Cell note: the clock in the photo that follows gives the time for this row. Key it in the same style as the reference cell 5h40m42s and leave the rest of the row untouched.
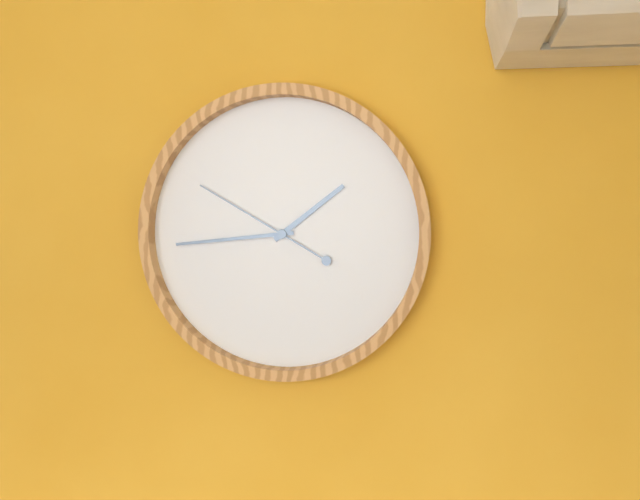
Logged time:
1h44m50s
